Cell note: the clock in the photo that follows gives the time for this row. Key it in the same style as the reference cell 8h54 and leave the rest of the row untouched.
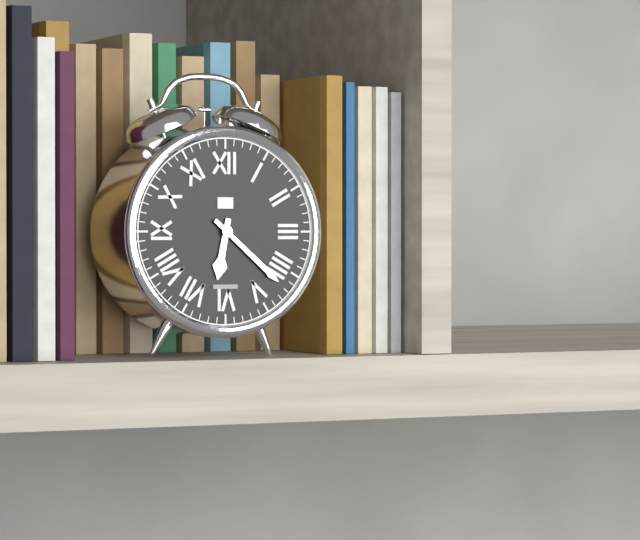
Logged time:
6h22
